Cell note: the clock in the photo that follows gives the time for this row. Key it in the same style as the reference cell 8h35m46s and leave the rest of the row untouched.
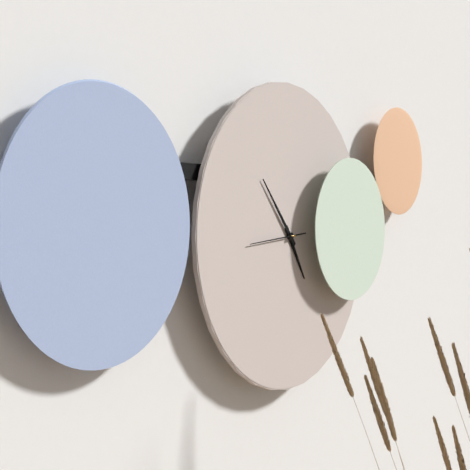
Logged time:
4h53m44s
